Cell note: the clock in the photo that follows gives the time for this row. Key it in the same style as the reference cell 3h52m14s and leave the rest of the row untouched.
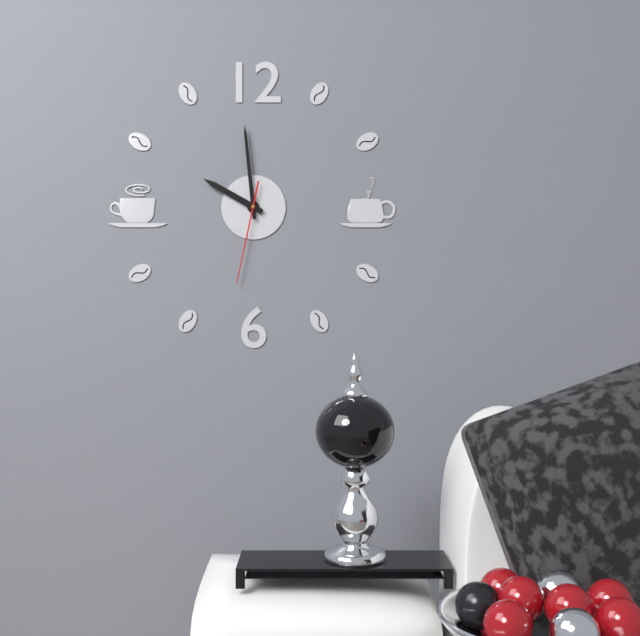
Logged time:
9h59m32s
